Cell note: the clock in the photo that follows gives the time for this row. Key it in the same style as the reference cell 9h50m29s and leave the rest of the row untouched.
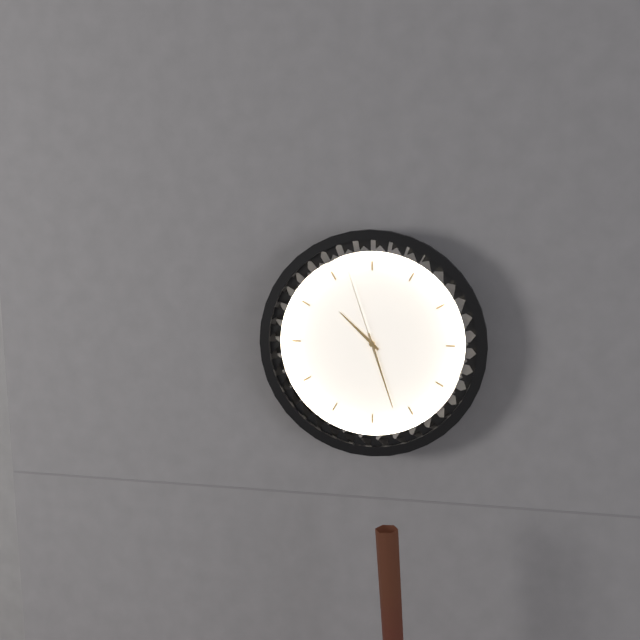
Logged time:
10h27m57s
